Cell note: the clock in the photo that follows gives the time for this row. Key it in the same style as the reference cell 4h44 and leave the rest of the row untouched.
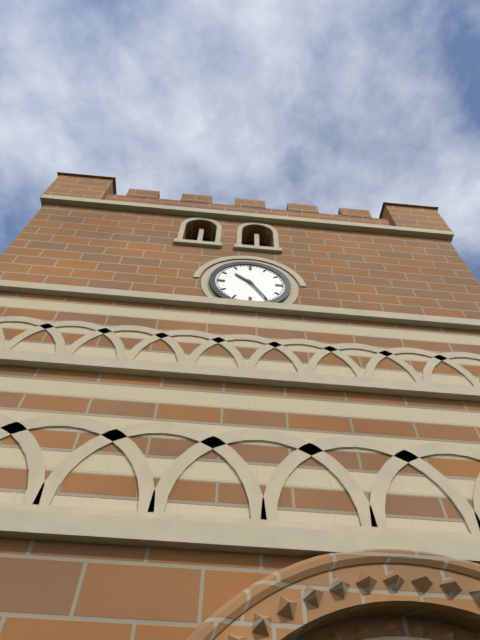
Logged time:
10h25
